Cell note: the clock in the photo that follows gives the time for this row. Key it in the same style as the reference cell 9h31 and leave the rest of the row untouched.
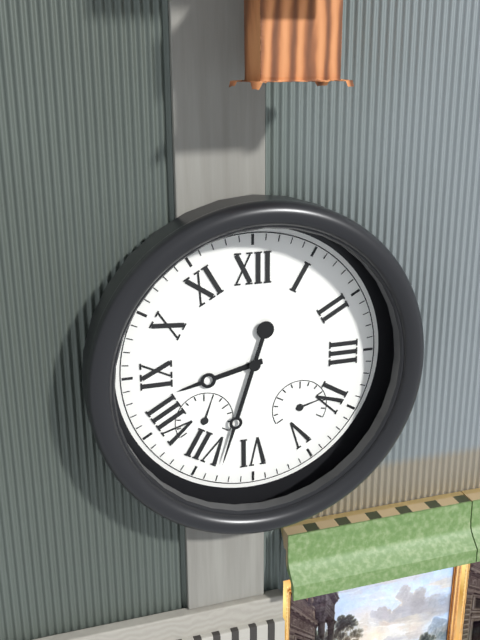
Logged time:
8h33
